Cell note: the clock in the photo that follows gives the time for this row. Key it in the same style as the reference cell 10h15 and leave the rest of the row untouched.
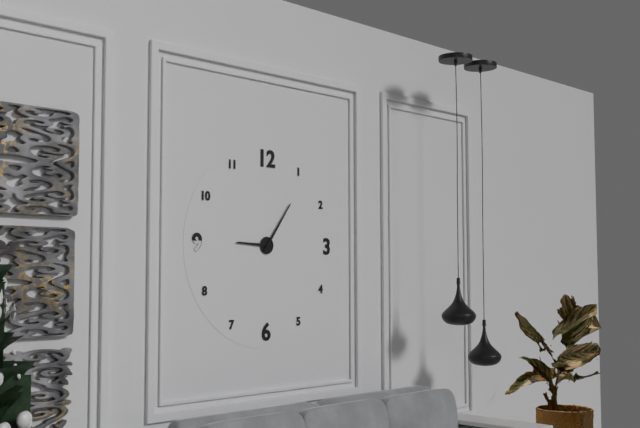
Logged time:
9h06
